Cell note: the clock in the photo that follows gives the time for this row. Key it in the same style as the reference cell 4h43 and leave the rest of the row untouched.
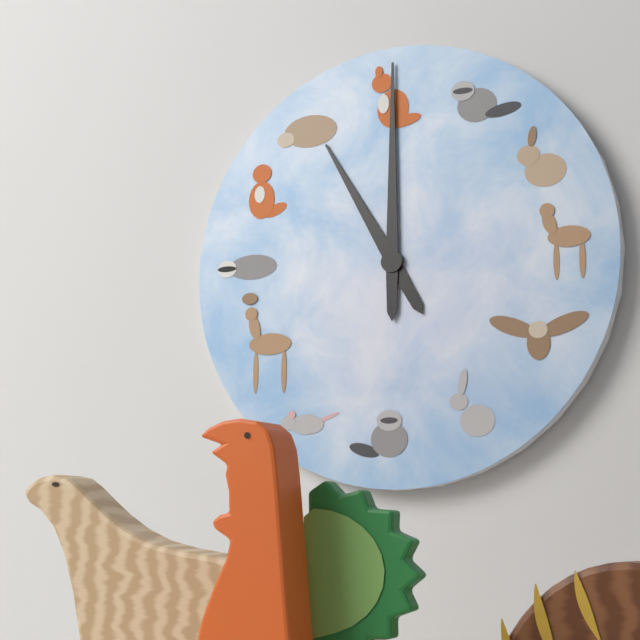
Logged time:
11h00
